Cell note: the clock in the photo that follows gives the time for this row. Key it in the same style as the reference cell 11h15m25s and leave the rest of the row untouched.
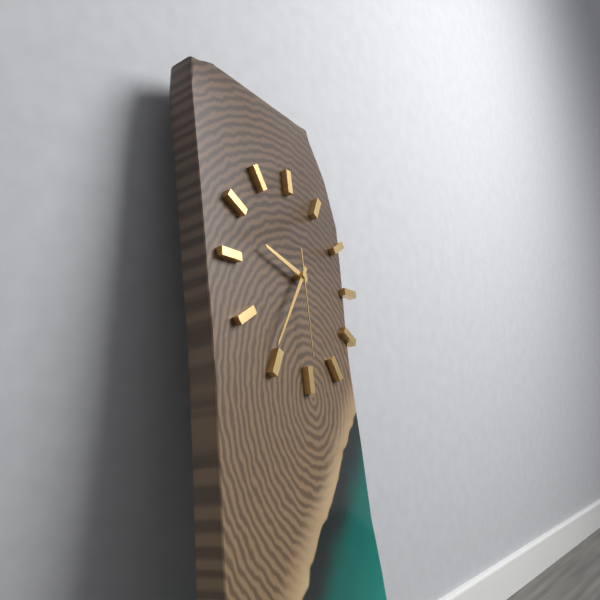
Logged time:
9h36m30s
